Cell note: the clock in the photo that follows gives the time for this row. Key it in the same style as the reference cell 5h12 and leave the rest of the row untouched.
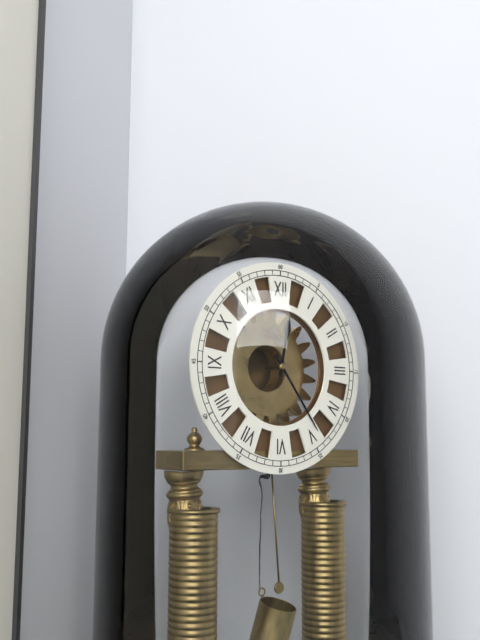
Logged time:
12h24
